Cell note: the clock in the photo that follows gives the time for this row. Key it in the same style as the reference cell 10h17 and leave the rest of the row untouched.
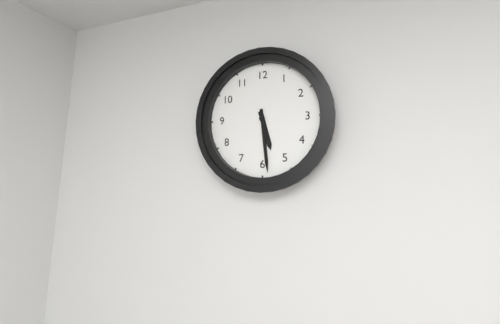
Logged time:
5h29
